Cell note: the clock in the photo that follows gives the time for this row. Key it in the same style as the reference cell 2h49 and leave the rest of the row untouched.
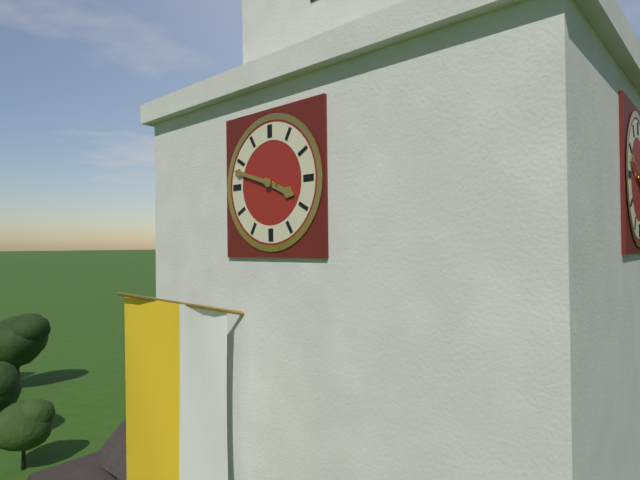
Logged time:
3h48
